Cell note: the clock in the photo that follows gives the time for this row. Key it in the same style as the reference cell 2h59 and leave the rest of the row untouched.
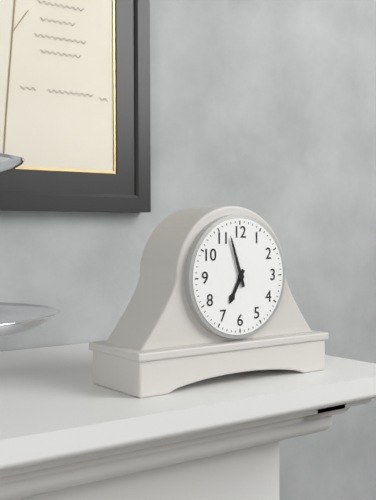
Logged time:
6h57
